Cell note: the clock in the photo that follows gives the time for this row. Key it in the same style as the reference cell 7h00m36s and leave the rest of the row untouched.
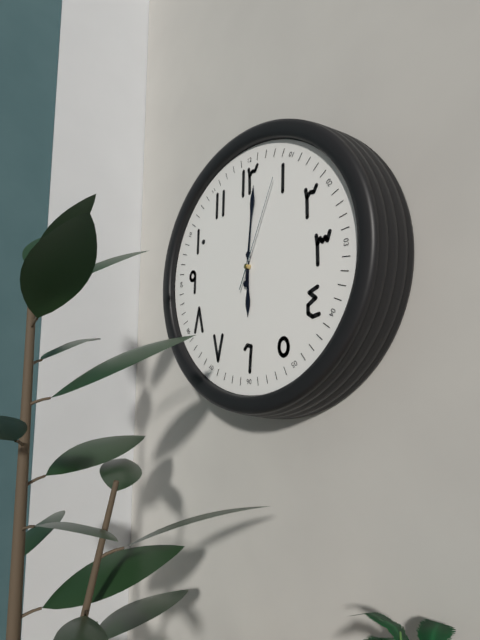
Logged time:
6h01m04s
